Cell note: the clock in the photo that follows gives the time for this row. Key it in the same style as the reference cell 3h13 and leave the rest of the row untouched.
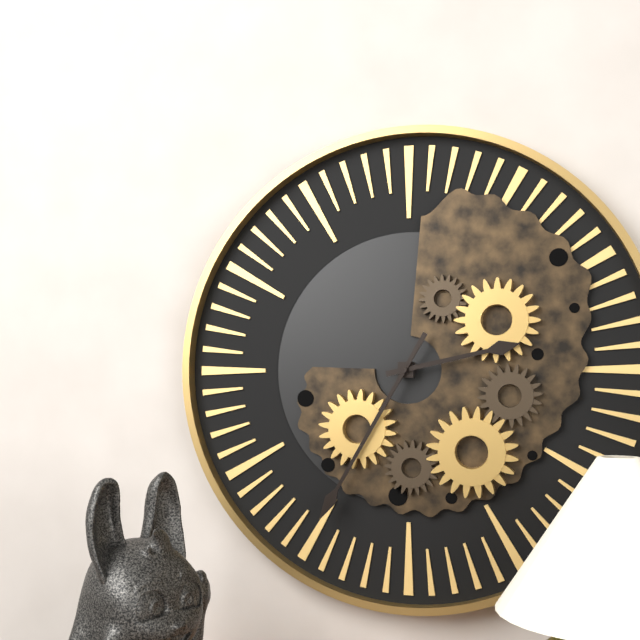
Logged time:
2h35
